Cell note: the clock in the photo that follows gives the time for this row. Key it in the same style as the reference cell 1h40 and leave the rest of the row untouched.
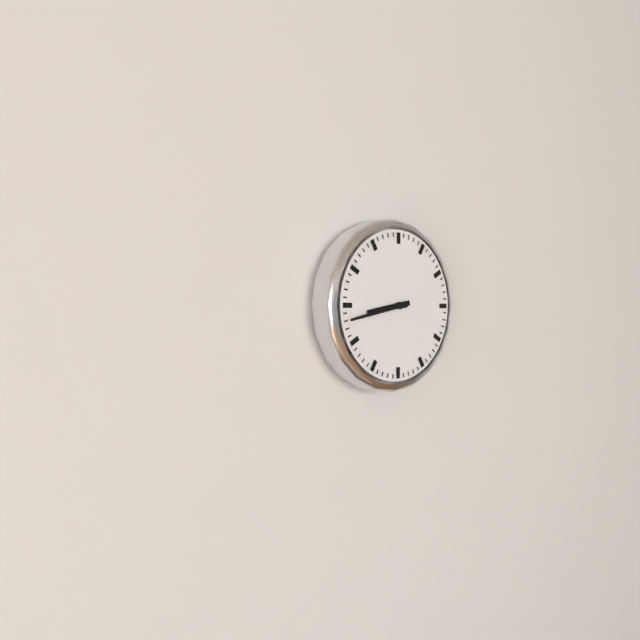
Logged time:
8h43
